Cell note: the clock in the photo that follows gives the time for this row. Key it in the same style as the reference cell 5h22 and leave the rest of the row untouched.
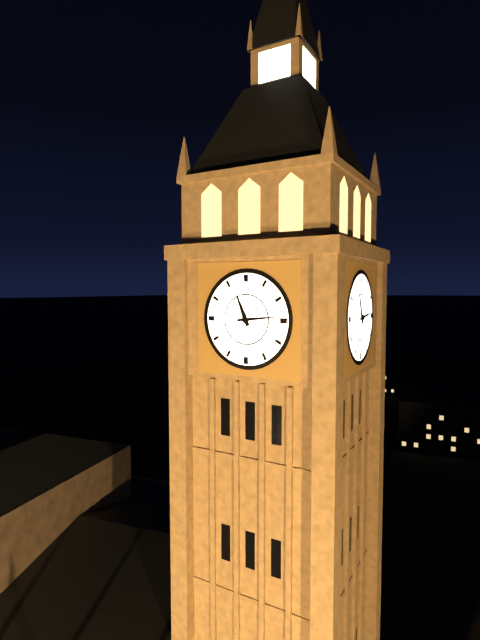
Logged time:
11h14
